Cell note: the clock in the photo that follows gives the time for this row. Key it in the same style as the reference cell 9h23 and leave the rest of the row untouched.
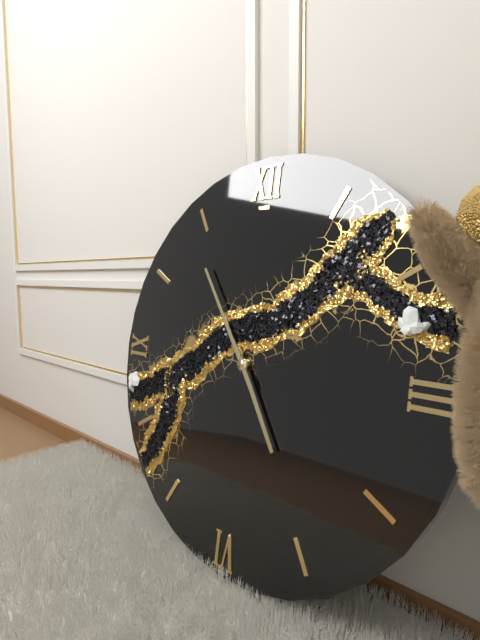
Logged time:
4h54
